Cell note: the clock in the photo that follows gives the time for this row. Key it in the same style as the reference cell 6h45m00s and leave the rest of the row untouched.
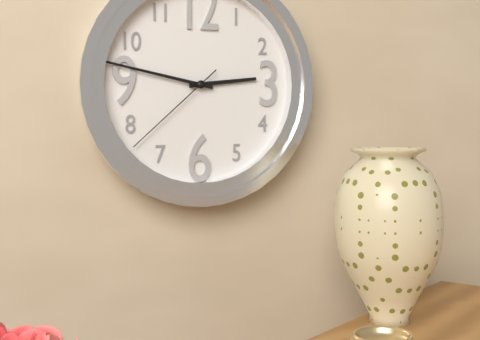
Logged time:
2h47m38s
